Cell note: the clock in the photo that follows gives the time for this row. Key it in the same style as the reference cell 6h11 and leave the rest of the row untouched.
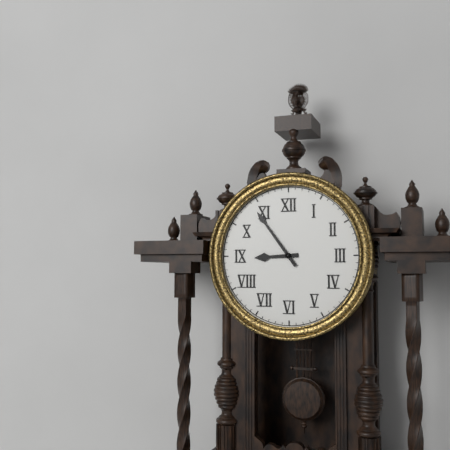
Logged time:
8h54
